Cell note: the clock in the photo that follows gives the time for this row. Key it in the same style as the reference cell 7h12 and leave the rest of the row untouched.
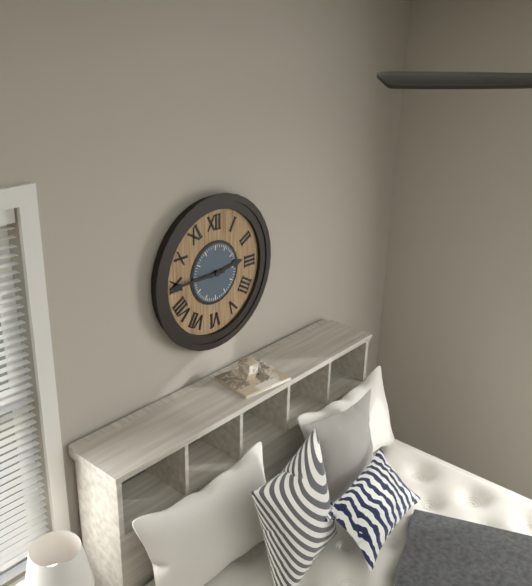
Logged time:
2h45
